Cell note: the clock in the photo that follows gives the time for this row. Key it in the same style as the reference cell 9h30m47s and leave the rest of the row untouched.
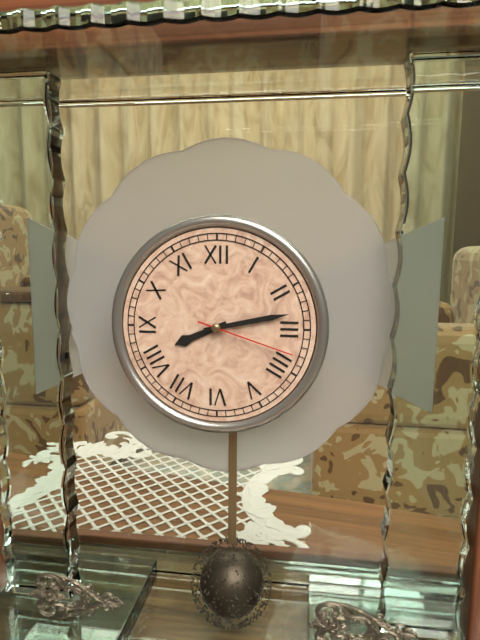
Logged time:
8h13m18s
